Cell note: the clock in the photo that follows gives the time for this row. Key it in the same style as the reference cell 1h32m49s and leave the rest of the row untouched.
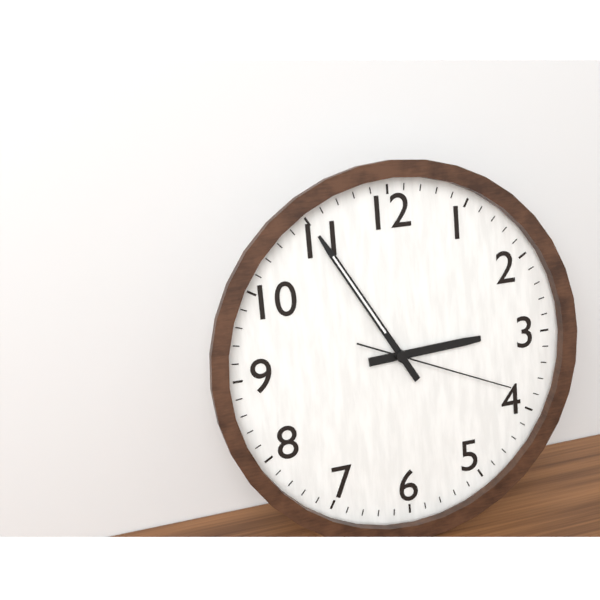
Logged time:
2h55m19s
